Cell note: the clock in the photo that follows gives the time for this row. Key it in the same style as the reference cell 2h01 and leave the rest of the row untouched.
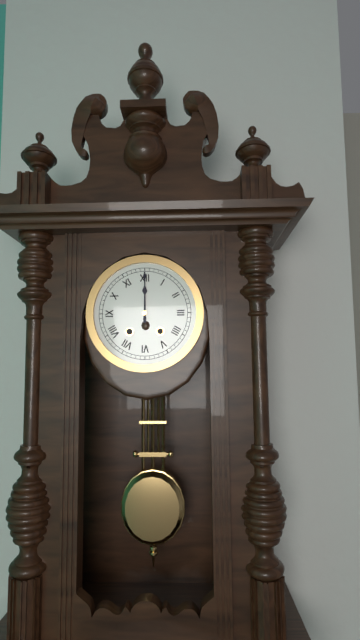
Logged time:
12h00
